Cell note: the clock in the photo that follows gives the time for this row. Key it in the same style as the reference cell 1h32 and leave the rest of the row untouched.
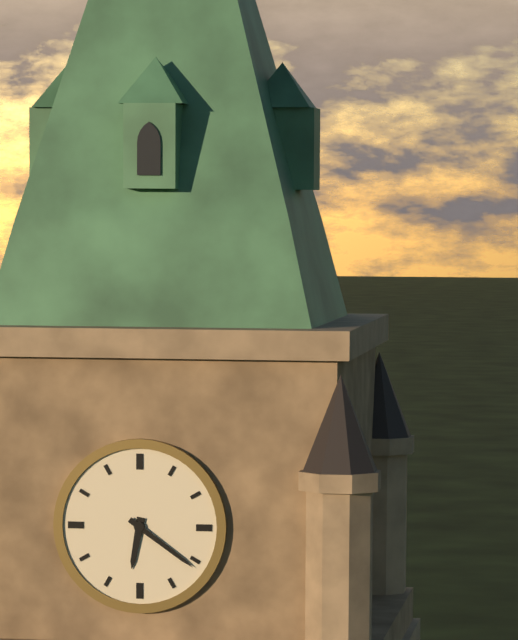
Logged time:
6h21
